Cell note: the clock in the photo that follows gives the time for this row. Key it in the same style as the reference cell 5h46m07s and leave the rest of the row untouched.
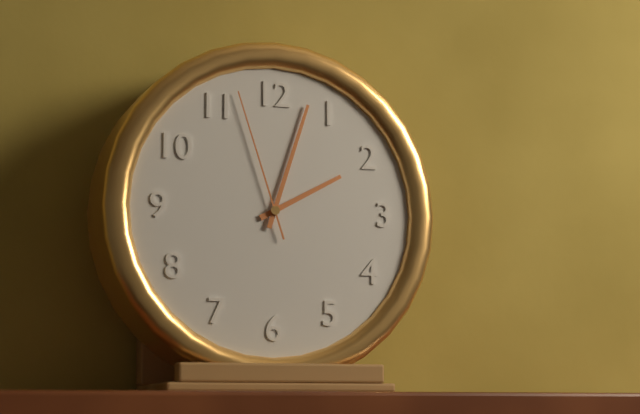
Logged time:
2h03m57s
